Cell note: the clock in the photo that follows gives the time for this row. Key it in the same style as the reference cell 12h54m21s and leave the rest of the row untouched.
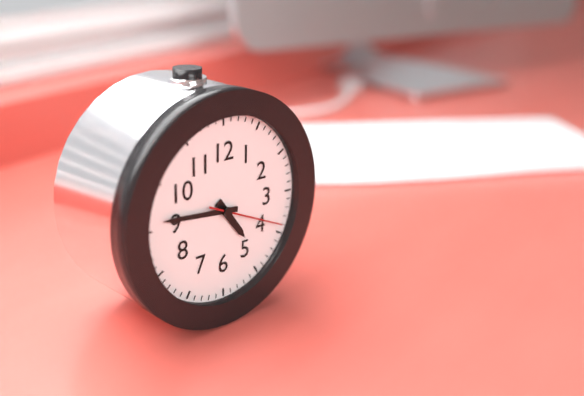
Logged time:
4h46m19s
